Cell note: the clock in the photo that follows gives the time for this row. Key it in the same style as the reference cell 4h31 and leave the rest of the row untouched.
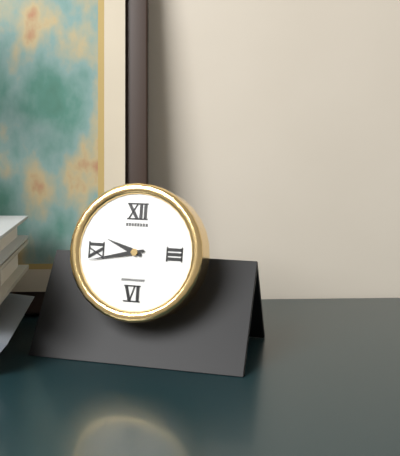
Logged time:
9h43
